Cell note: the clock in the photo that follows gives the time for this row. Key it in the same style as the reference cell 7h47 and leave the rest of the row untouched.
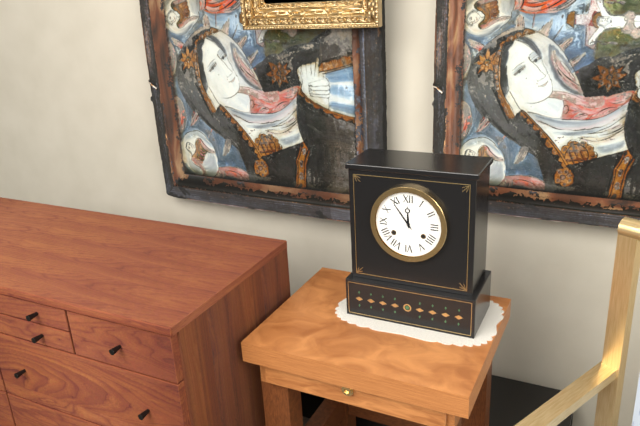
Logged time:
11h54
